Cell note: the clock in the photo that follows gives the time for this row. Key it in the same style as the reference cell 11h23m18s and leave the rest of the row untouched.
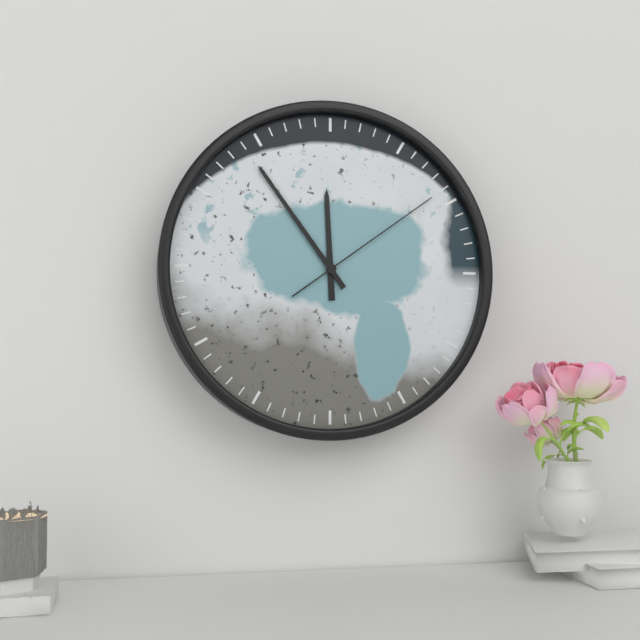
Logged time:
11h54m09s
